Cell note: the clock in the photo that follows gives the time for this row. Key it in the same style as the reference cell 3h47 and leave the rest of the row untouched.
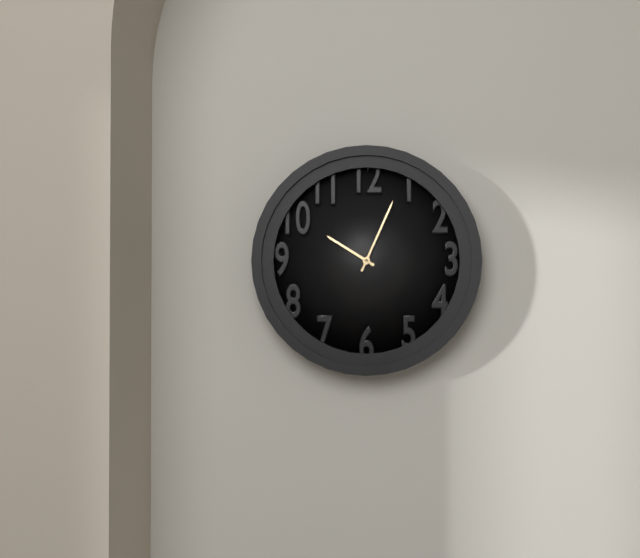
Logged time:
10h04
